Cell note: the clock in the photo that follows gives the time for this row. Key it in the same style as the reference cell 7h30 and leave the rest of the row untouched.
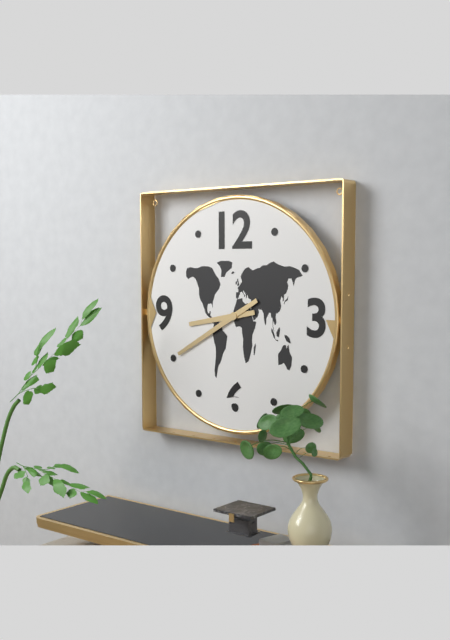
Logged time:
8h40
